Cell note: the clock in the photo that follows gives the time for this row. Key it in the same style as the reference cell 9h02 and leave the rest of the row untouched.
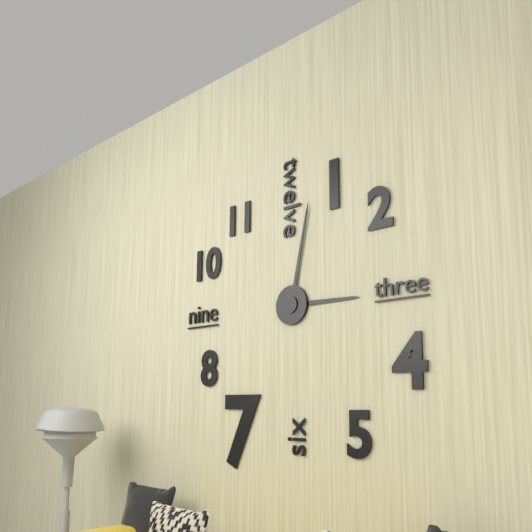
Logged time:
3h02
